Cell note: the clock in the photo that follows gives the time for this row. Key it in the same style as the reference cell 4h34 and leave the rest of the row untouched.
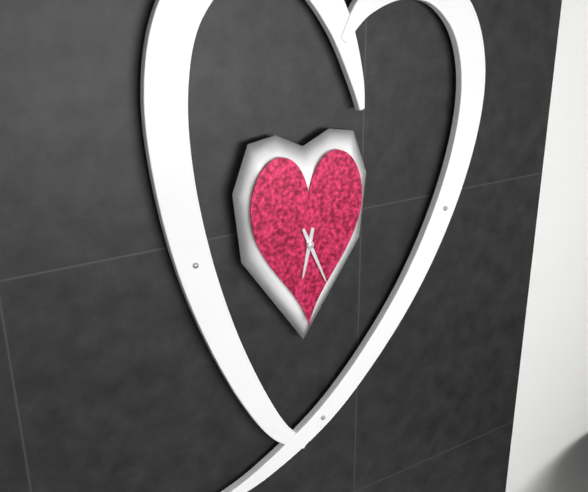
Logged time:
6h26
